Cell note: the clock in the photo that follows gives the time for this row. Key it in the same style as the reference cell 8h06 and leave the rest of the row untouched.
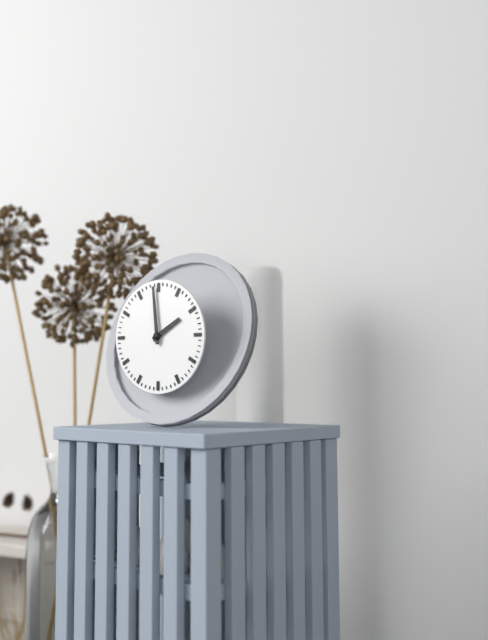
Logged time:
1h59
